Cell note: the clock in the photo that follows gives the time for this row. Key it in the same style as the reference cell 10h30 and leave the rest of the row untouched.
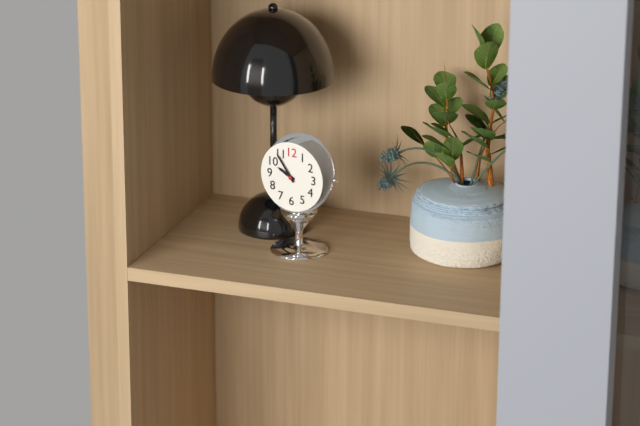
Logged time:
9h54
